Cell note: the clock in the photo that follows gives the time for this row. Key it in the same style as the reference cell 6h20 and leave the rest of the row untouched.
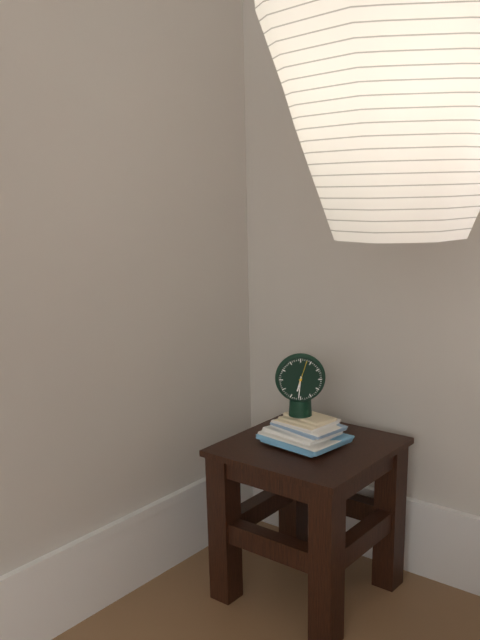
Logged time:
6h31
